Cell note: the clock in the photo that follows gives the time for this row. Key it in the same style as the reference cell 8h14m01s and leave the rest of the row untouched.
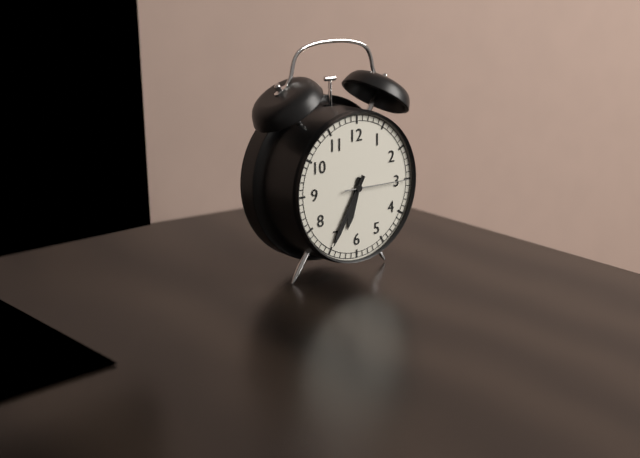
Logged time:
6h35m15s
